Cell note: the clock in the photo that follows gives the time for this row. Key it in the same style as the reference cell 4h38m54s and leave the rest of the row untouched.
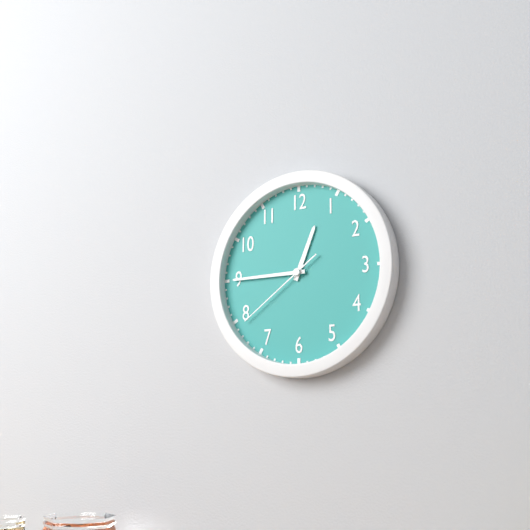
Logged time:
12h45m39s
